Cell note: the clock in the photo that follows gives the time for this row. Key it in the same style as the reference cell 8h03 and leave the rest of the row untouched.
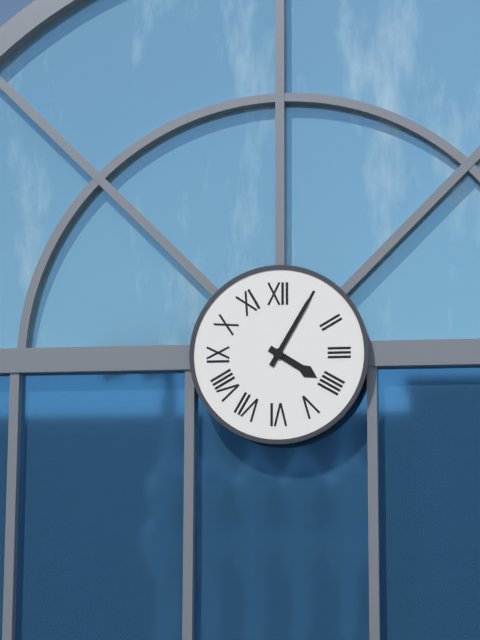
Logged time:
4h05
